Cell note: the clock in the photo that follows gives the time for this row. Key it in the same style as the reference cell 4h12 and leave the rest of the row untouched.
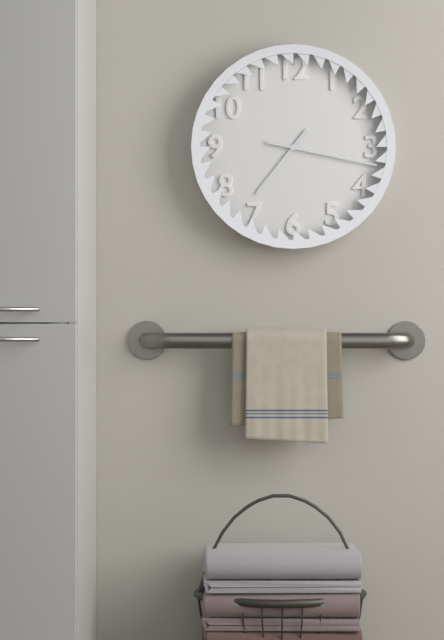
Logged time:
7h17
